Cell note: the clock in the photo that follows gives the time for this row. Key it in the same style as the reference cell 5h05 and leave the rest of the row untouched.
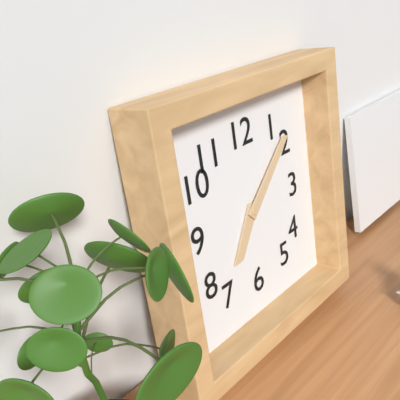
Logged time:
7h08
